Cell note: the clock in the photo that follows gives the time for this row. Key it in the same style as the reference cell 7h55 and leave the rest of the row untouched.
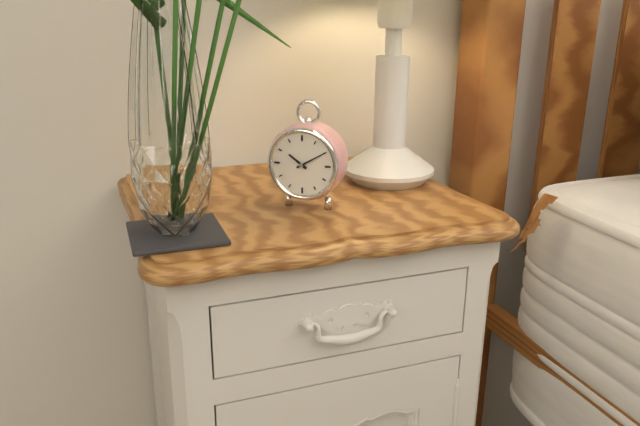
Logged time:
10h10
